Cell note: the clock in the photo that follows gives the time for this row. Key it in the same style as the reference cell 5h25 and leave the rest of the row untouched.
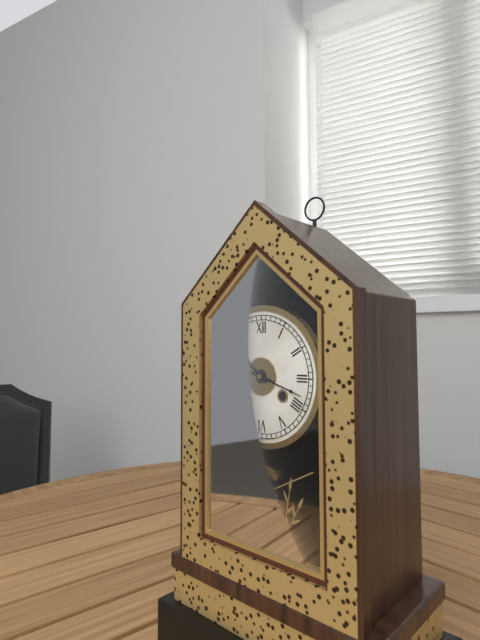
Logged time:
10h18
